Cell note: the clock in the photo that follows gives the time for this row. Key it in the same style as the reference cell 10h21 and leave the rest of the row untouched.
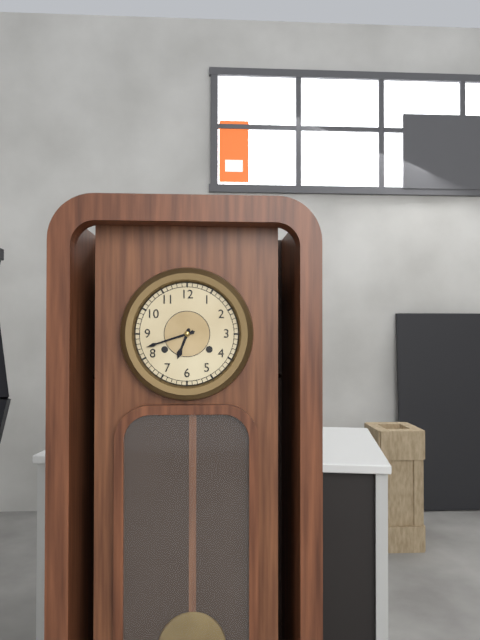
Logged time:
6h42
